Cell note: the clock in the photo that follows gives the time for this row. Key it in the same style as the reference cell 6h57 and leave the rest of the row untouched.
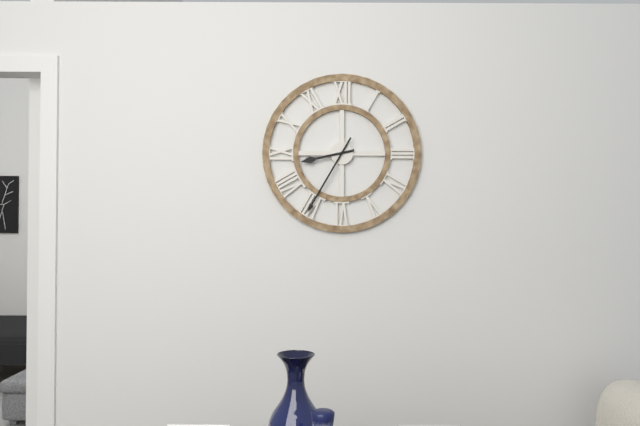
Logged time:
8h35
